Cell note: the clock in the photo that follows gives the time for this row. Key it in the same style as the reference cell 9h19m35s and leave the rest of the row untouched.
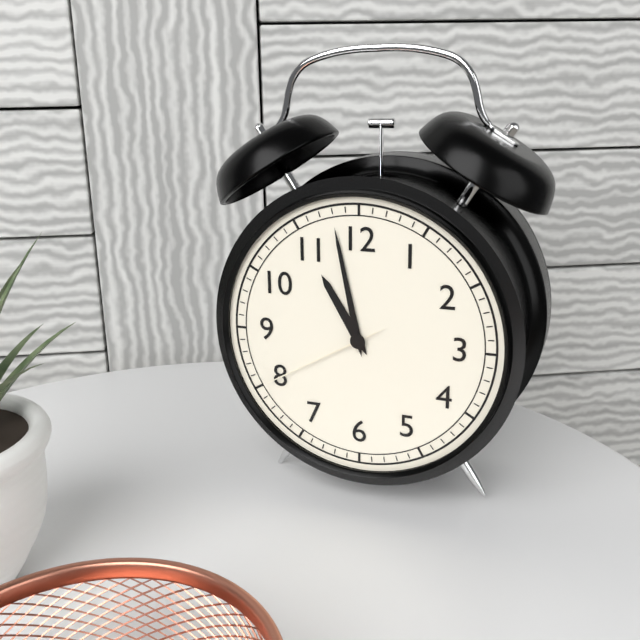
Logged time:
10h58m40s
